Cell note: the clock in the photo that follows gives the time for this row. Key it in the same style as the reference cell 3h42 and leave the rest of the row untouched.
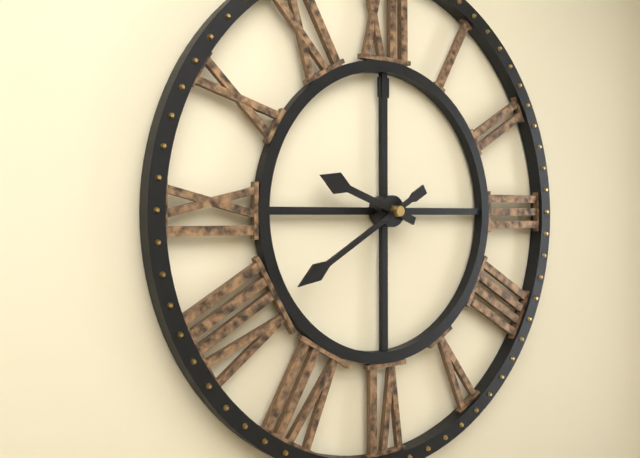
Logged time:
9h40
